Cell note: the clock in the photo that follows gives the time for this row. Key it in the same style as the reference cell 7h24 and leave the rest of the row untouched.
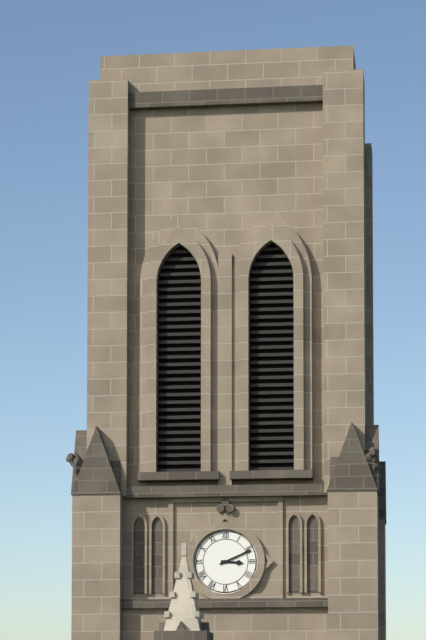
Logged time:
3h11
